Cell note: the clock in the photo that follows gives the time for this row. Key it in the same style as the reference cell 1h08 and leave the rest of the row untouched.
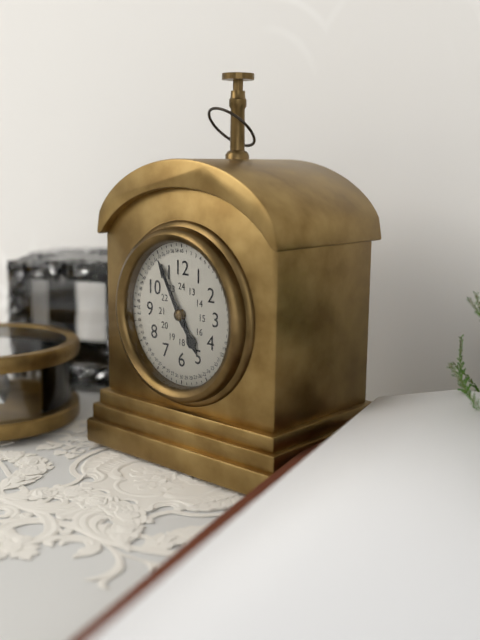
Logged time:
4h55
